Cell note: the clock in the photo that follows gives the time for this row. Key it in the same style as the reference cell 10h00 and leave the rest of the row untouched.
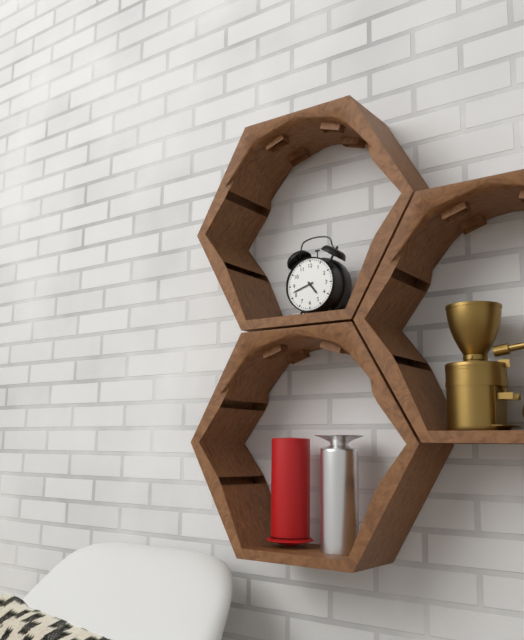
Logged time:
4h42
